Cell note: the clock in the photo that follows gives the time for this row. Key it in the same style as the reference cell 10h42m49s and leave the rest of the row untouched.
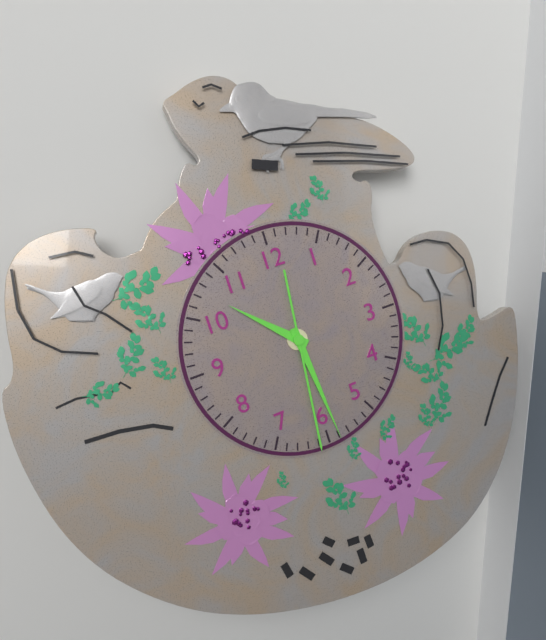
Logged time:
10h29m31s
